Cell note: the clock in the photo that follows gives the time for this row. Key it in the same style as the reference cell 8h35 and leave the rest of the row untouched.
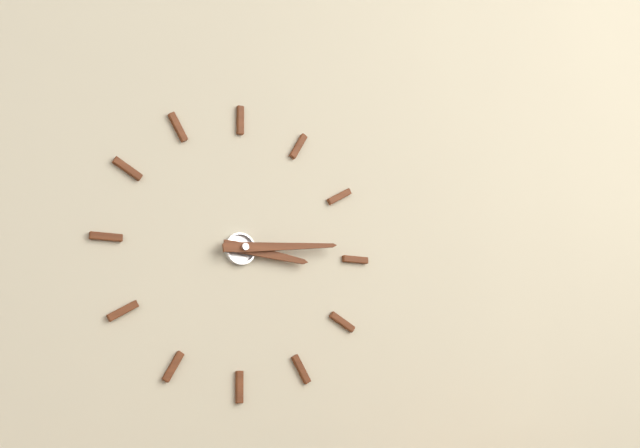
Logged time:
3h14
